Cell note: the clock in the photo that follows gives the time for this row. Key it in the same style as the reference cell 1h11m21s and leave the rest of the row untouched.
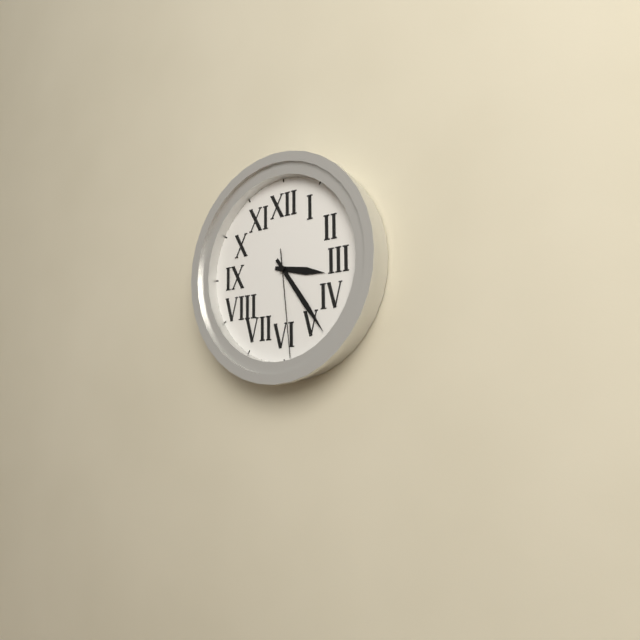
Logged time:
3h24m29s
